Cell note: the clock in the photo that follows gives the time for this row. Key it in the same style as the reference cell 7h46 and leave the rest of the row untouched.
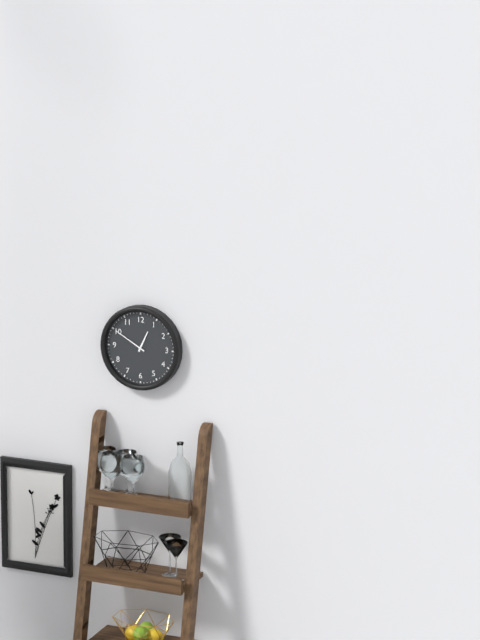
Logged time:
12h50
